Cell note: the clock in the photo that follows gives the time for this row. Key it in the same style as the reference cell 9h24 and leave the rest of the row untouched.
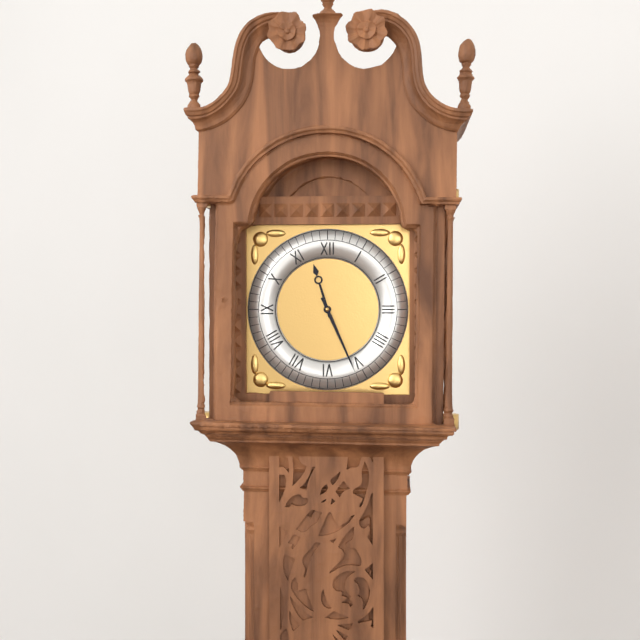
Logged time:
11h26
